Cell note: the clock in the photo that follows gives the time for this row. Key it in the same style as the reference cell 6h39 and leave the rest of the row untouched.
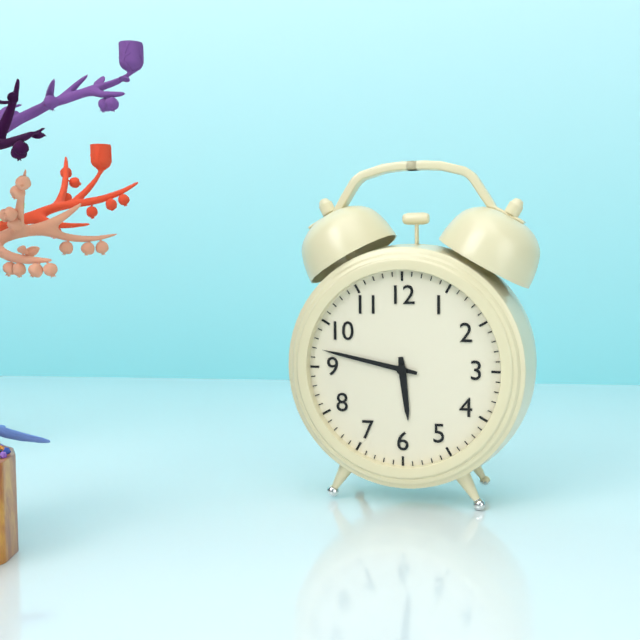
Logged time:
5h47
